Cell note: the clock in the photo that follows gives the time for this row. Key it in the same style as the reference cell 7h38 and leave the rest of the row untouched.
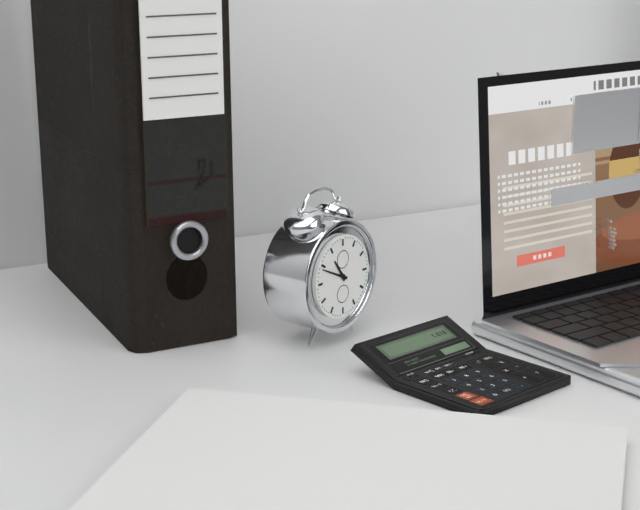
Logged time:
10h49
